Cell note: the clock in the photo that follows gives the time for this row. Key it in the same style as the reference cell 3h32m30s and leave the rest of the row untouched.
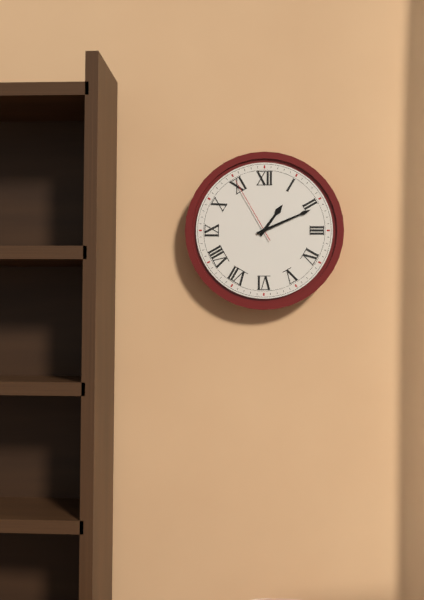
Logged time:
1h11m55s
